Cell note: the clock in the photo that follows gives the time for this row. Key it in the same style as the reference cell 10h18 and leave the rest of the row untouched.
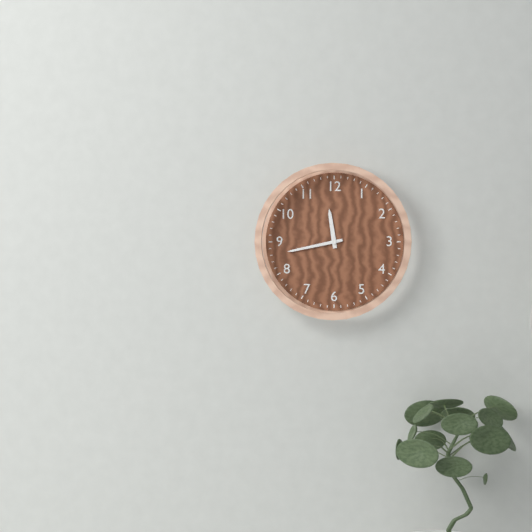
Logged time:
11h43
